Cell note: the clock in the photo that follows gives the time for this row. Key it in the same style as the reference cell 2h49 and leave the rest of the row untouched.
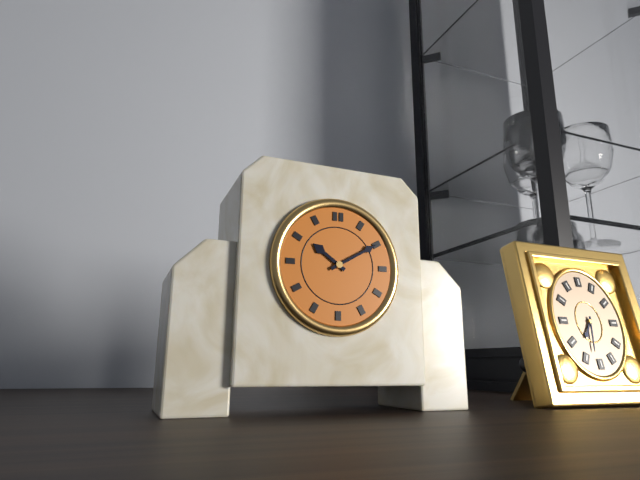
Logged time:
10h10
